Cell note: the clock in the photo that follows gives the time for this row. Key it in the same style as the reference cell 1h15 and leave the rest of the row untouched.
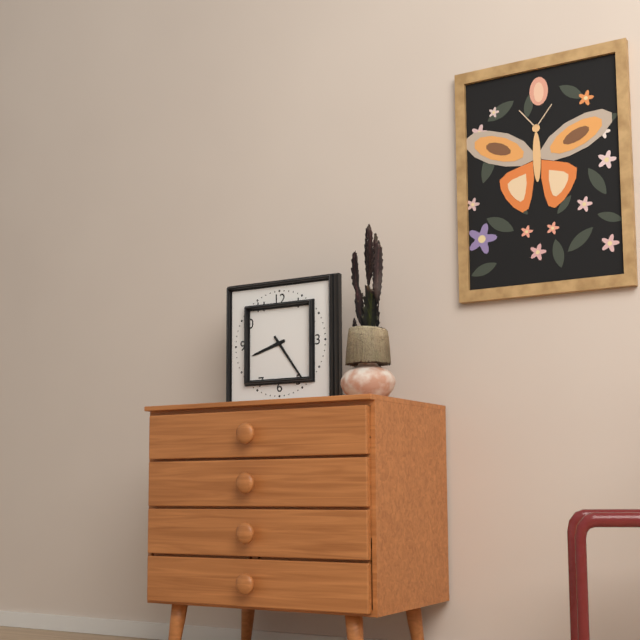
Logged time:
8h24
